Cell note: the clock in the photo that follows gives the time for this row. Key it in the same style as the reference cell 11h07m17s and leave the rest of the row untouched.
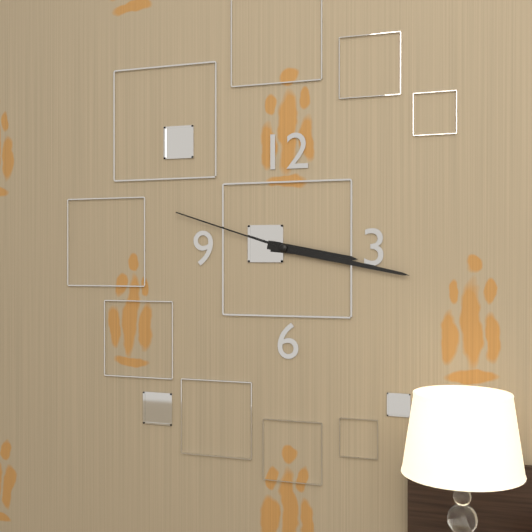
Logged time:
3h17m48s
